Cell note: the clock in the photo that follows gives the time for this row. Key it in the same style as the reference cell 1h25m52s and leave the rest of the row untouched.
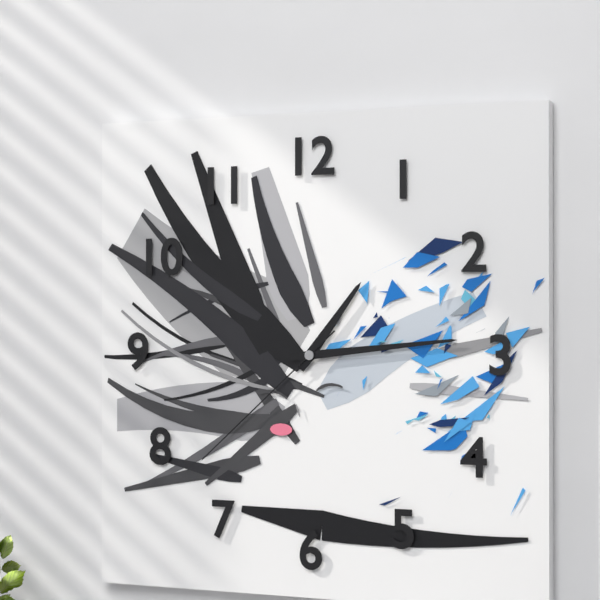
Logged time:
1h14m38s
